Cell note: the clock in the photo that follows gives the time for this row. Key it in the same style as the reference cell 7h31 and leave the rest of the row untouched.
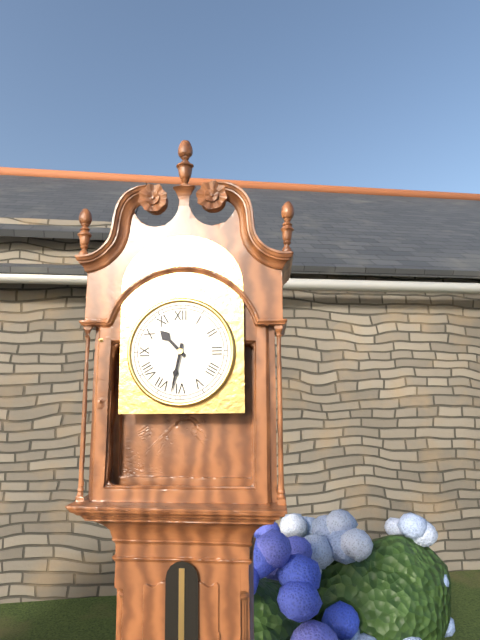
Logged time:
10h32
